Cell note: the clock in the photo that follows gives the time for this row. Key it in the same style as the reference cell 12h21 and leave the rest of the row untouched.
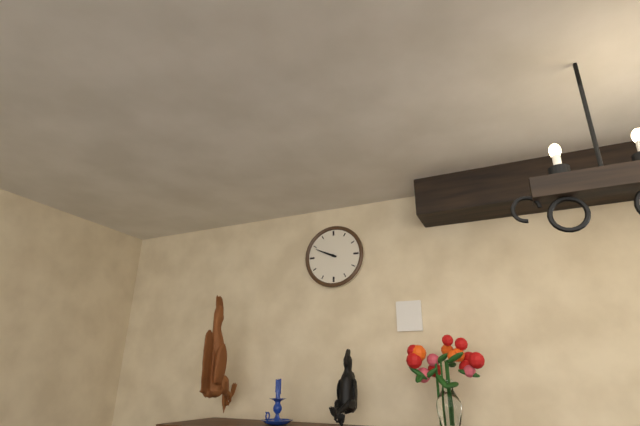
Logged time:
9h49
